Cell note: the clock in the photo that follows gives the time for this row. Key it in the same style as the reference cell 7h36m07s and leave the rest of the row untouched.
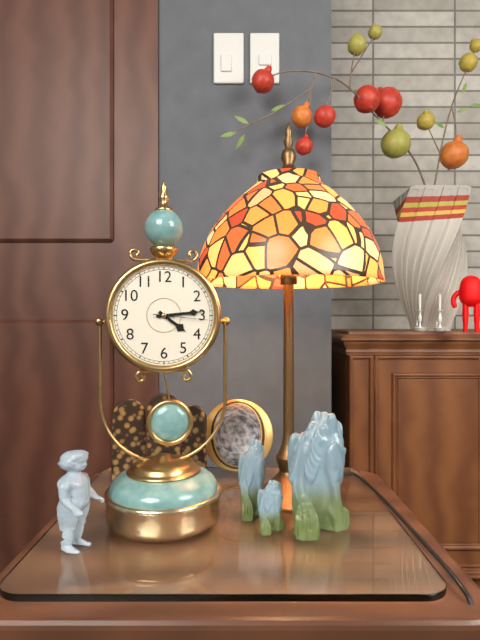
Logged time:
4h14m16s
